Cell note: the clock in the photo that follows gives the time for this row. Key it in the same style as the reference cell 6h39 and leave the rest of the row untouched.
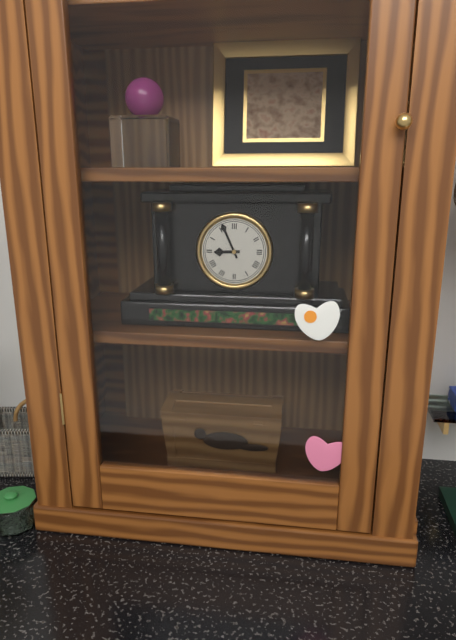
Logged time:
8h56
